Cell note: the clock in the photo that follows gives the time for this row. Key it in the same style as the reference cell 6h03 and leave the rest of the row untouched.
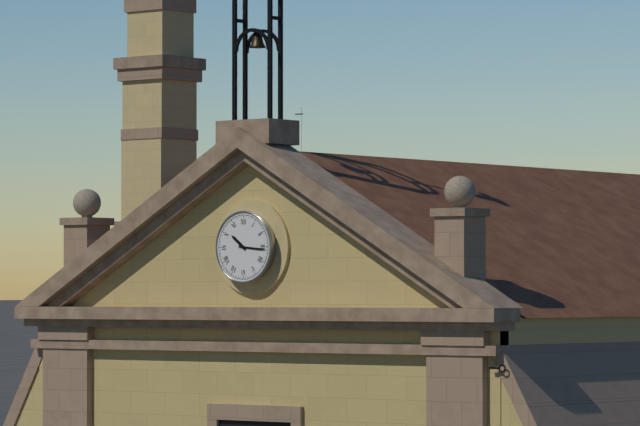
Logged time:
10h16
